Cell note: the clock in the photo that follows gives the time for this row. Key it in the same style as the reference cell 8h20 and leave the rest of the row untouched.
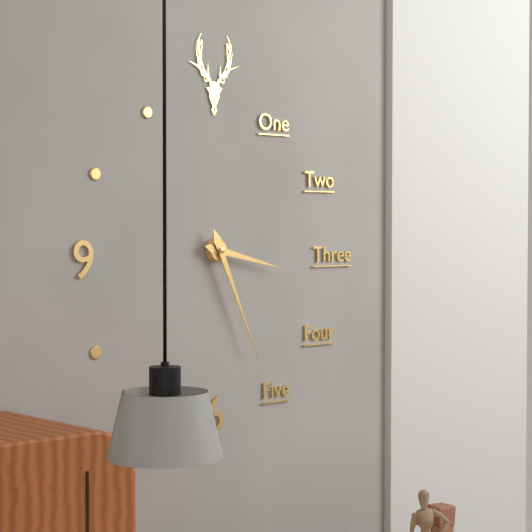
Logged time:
3h26
